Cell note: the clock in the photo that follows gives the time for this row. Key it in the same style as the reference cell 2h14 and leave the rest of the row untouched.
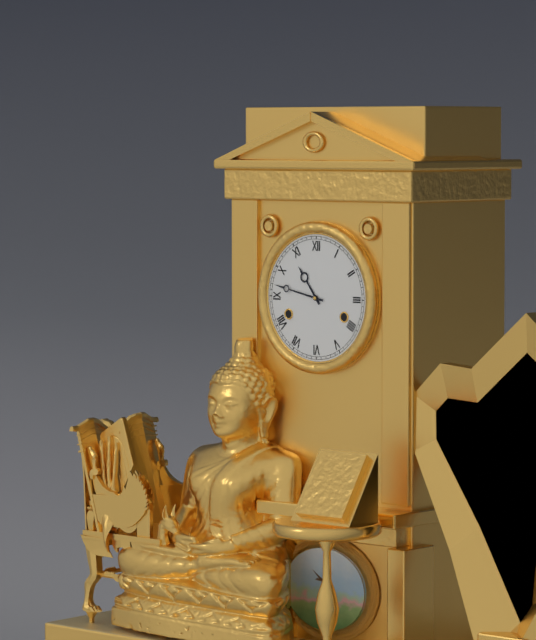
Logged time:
10h47
